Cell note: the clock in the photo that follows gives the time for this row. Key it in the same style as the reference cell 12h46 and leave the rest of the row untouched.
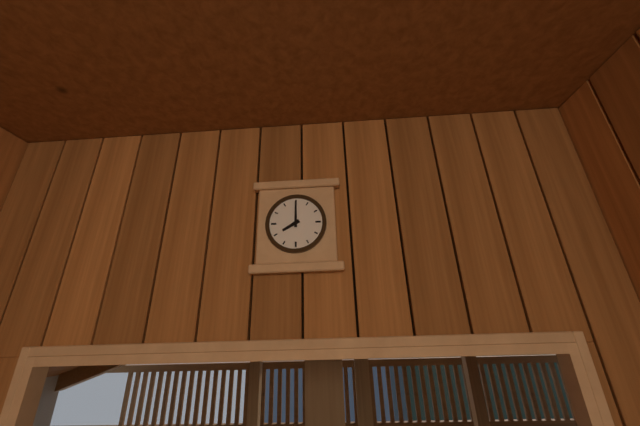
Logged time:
8h00
